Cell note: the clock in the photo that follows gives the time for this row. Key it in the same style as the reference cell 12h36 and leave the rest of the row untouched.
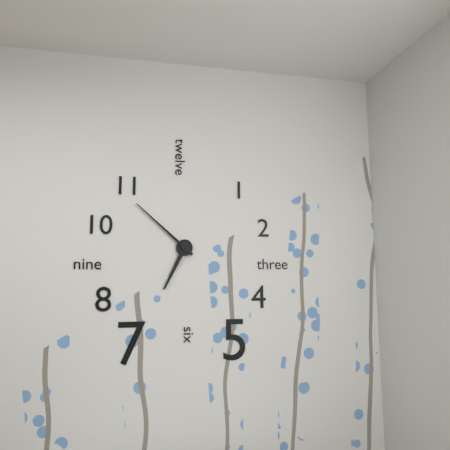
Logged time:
6h52
